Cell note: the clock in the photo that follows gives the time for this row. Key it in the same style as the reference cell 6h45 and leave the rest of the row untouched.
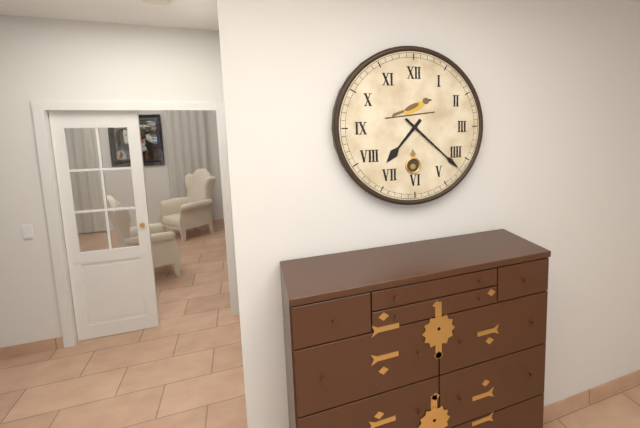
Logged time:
7h22
